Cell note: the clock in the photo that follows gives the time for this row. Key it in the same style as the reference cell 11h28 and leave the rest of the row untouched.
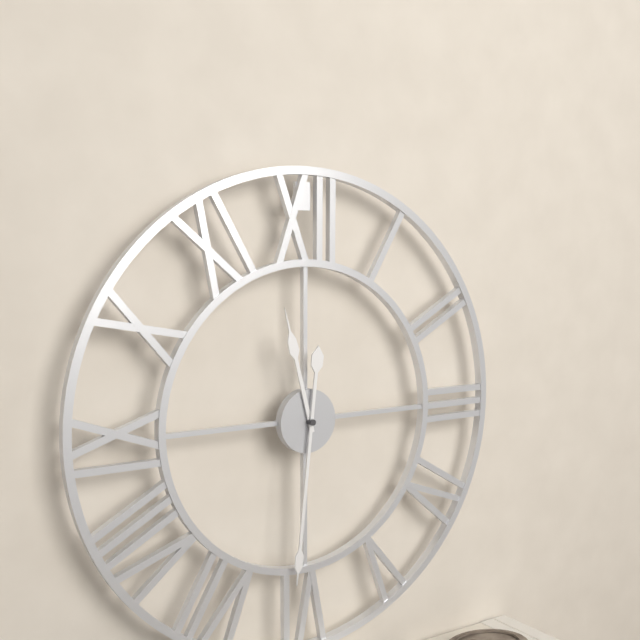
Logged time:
11h31
